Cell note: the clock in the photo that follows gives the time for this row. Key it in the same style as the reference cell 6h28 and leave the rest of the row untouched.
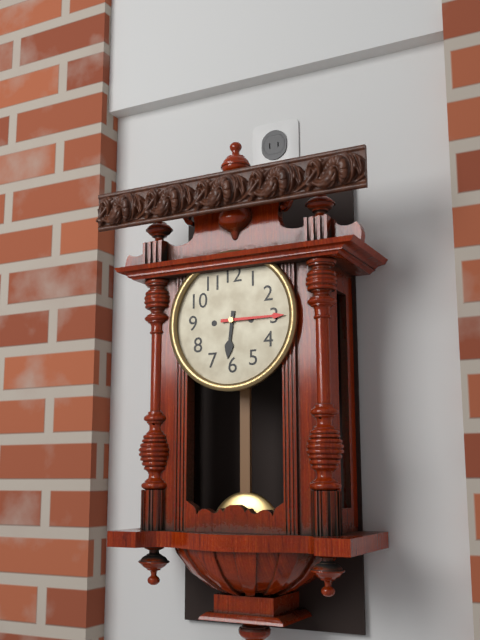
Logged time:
6h15
